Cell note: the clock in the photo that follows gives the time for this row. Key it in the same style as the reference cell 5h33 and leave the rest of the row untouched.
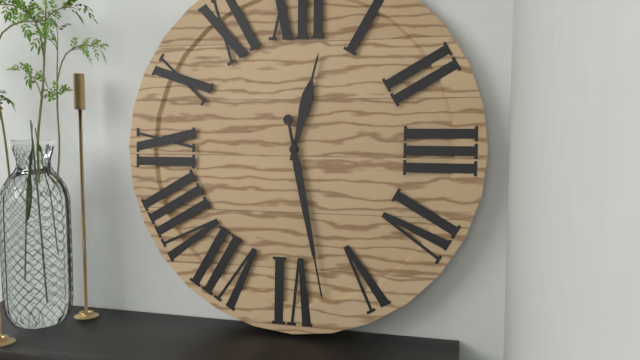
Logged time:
12h28
